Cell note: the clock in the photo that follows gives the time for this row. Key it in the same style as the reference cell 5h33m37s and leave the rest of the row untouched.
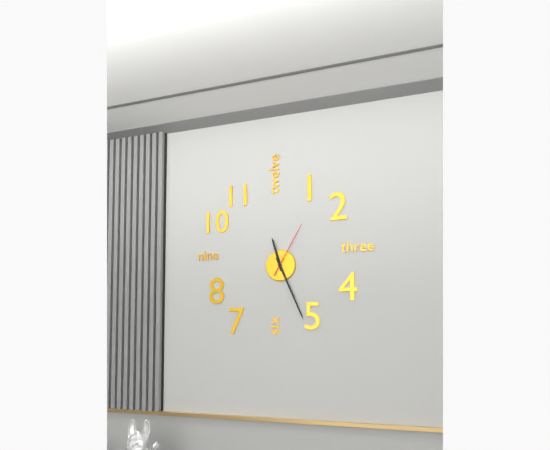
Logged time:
11h26m05s
